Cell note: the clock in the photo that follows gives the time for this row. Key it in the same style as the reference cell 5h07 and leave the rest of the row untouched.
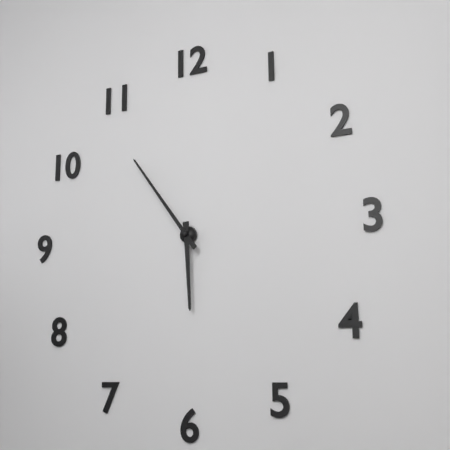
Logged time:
5h54
